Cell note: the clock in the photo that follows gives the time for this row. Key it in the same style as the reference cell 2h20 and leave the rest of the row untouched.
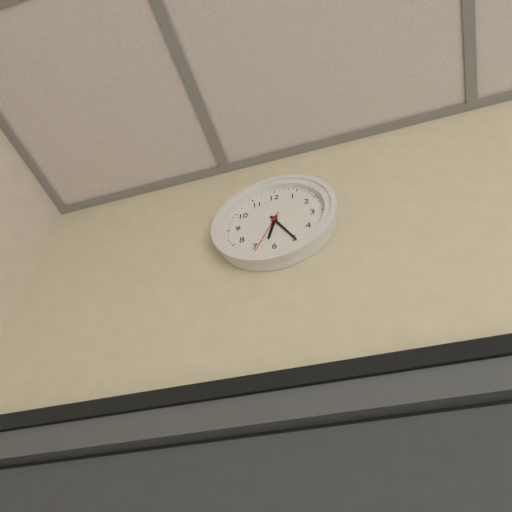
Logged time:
6h25
